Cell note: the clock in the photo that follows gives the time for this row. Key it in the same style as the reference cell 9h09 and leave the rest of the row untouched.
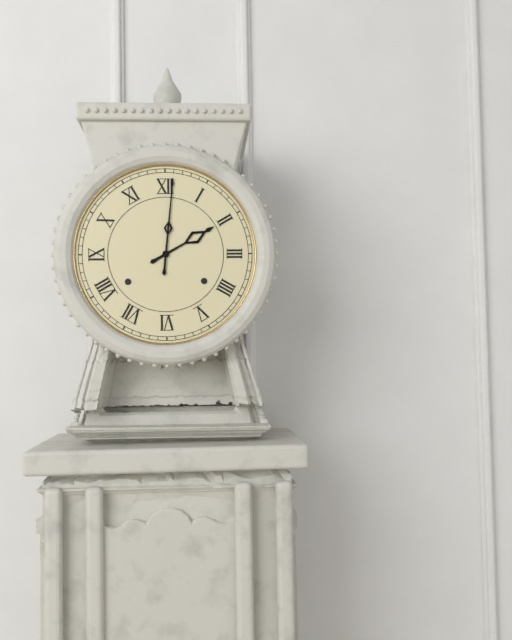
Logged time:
2h01
